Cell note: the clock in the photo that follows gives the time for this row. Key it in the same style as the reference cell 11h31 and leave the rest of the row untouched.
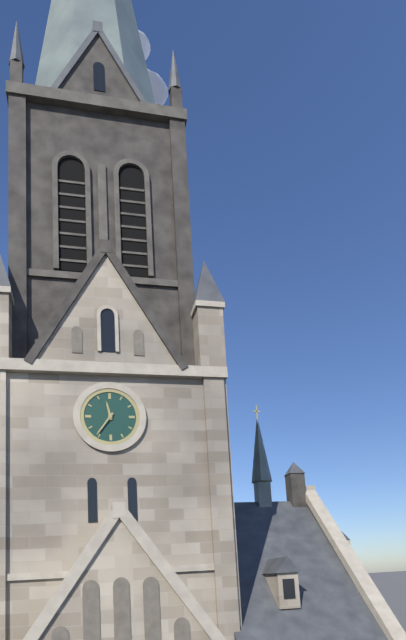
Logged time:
11h36
